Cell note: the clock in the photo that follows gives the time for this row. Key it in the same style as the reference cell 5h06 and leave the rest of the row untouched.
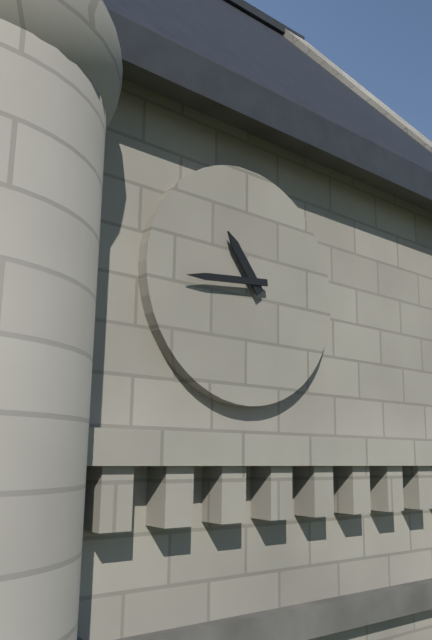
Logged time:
10h44
